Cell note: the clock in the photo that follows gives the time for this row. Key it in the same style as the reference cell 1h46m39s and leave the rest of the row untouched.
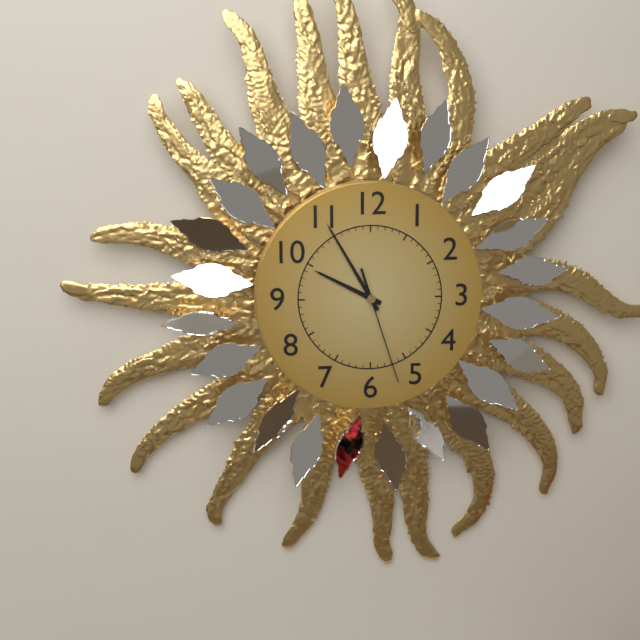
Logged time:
9h55m27s
